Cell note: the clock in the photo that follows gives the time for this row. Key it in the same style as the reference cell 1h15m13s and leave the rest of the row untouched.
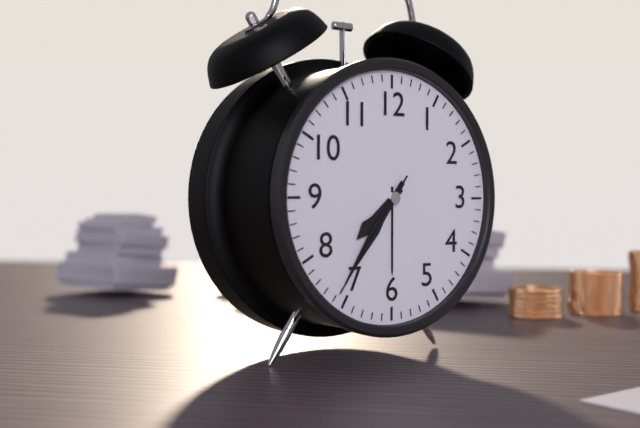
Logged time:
7h36m36s
